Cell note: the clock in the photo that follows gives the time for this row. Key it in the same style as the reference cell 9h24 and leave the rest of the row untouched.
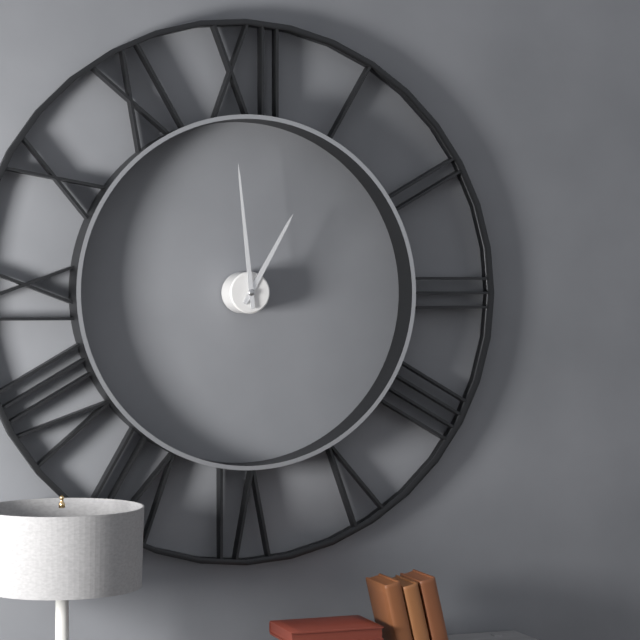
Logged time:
12h59
